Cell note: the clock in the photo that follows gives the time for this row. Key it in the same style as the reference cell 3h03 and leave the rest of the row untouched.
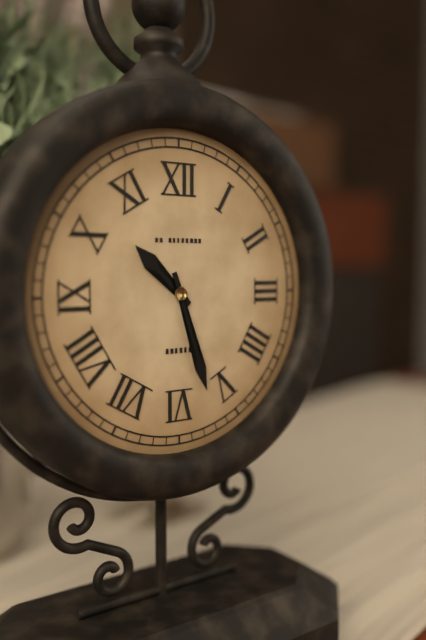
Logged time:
10h27
